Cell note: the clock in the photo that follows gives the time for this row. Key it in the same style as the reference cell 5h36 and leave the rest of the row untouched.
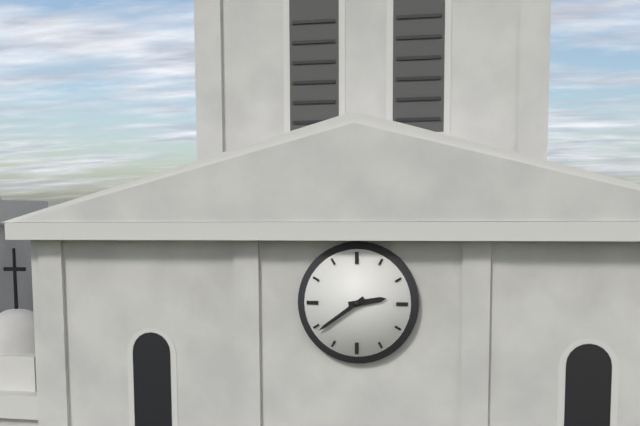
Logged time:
2h39
